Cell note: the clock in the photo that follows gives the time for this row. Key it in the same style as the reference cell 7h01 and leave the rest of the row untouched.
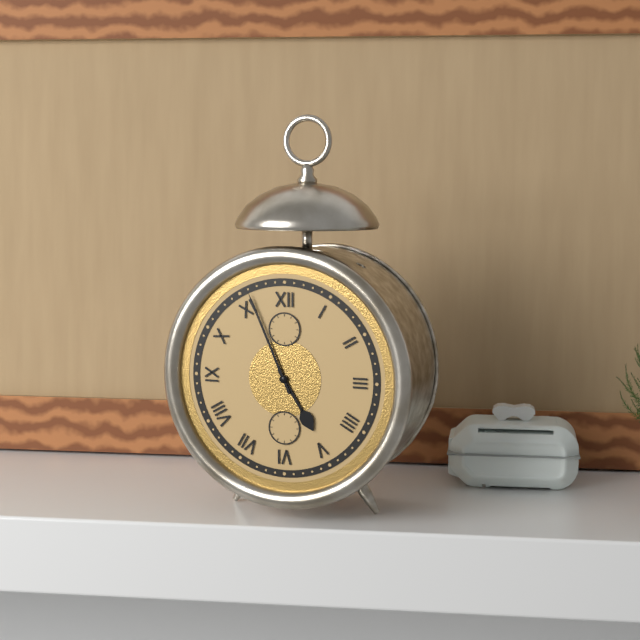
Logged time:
4h56
